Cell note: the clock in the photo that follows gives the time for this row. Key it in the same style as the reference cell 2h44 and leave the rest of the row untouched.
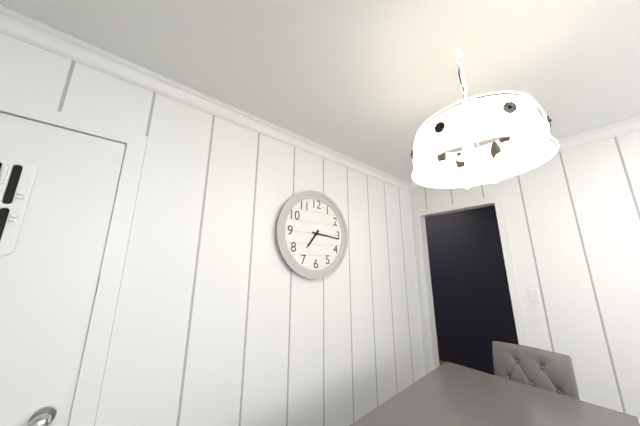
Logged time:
7h16
